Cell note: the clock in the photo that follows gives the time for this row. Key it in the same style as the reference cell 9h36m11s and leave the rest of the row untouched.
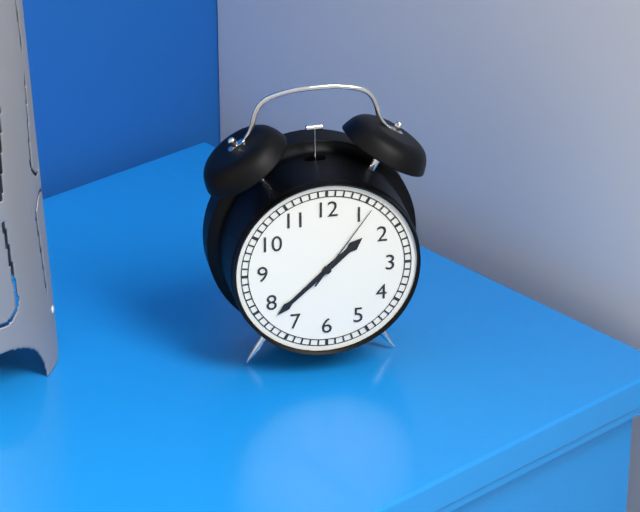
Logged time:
1h38m06s
